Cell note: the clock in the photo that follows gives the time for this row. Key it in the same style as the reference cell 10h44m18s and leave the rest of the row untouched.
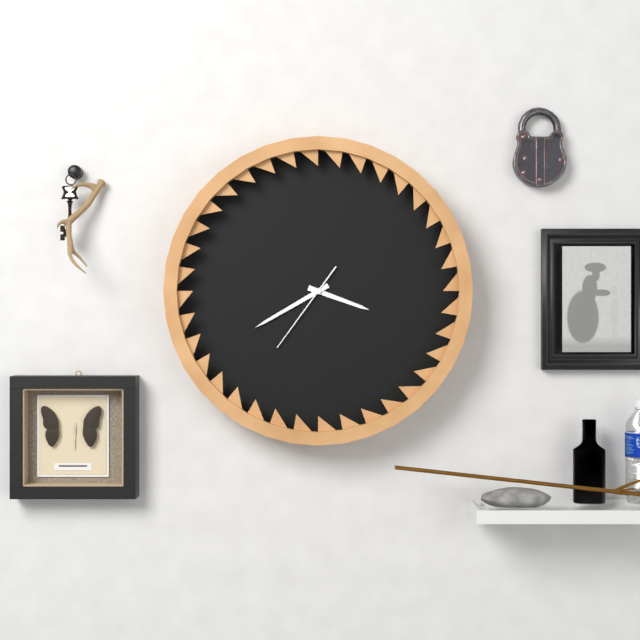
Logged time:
3h40m36s
